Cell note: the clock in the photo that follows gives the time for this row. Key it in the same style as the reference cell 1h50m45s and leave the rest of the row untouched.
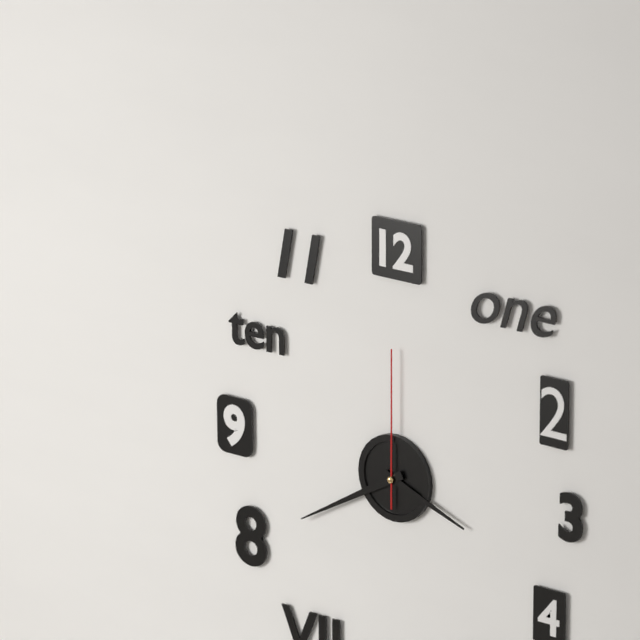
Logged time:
3h40m00s
